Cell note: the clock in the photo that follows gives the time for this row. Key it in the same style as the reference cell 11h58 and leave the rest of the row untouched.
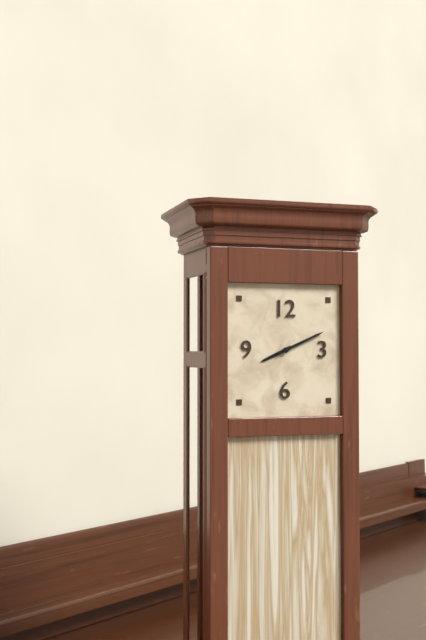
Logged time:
8h11
